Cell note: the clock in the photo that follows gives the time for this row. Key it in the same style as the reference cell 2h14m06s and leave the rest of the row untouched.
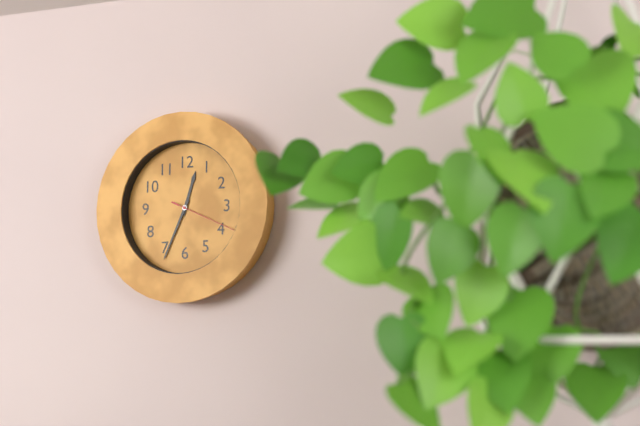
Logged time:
12h34m19s
